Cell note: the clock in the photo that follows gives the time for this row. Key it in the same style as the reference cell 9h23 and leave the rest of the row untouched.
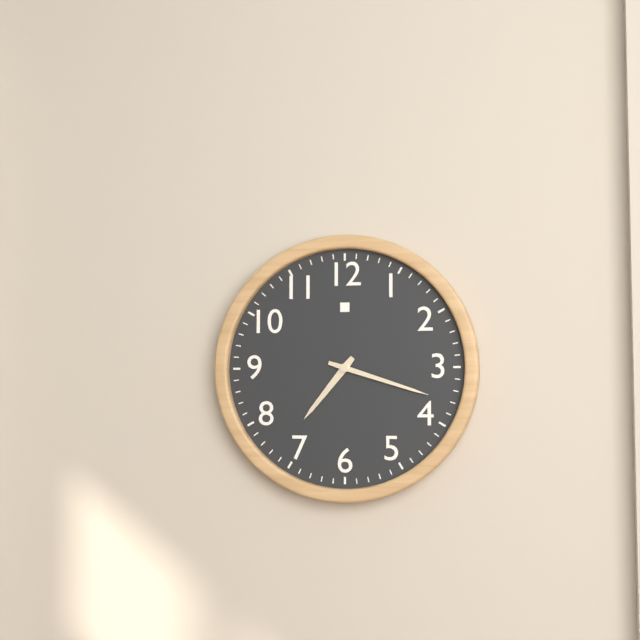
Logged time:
7h18
